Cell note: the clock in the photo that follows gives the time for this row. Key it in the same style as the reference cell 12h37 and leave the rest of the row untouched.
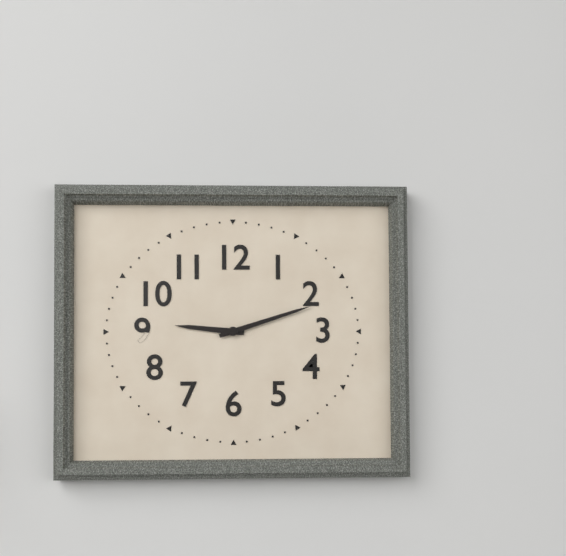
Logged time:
9h12
